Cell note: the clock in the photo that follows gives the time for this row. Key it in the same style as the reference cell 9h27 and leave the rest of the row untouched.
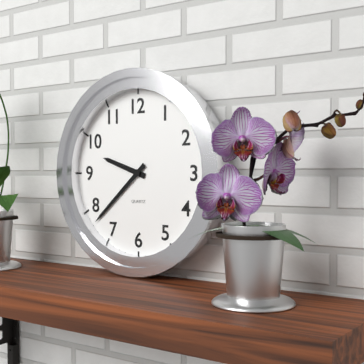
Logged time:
9h38
